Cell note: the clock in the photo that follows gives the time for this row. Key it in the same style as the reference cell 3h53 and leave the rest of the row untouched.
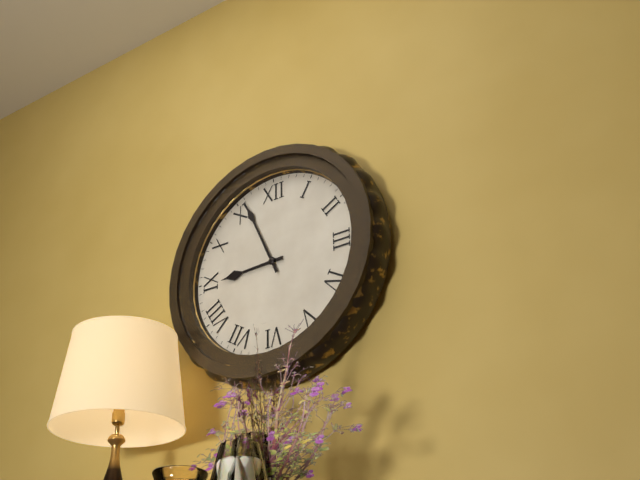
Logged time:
8h56
